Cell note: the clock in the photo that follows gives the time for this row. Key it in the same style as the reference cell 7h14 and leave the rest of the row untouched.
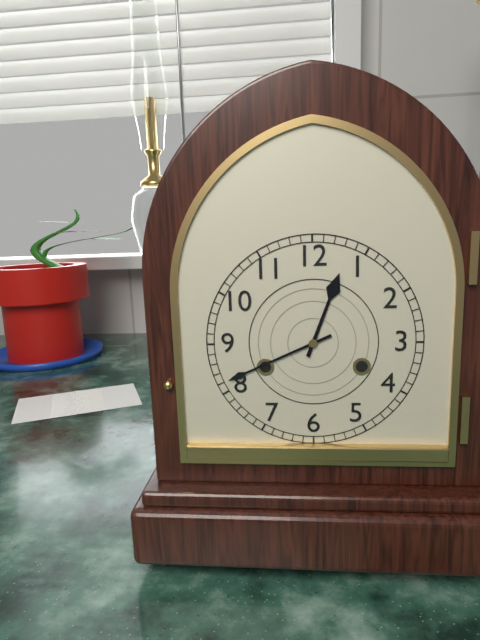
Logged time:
12h41
